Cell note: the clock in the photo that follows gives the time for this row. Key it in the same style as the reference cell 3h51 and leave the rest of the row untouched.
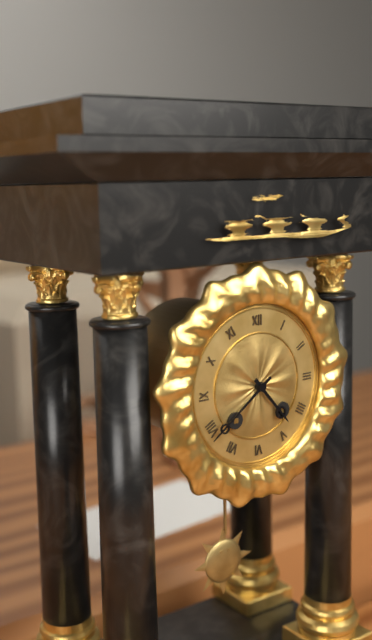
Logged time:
4h39
